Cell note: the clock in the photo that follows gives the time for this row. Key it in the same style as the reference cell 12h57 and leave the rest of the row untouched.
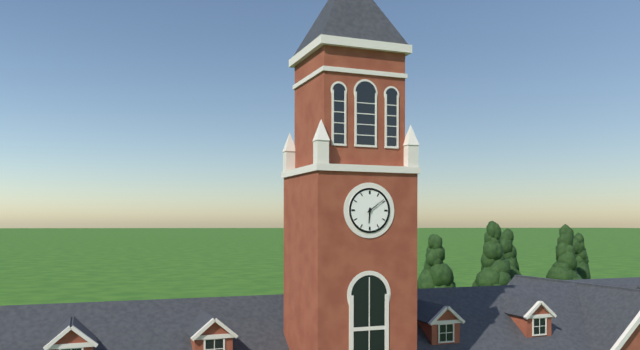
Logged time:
6h09
